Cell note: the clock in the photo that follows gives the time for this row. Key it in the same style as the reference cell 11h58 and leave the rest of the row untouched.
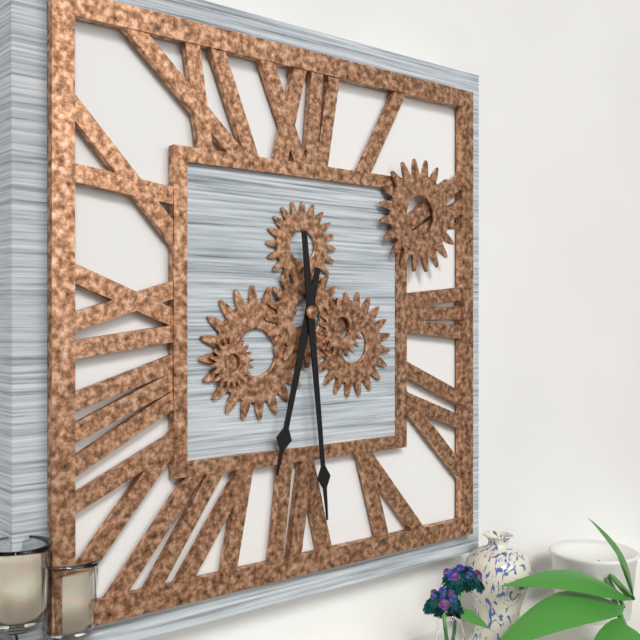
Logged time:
6h29
